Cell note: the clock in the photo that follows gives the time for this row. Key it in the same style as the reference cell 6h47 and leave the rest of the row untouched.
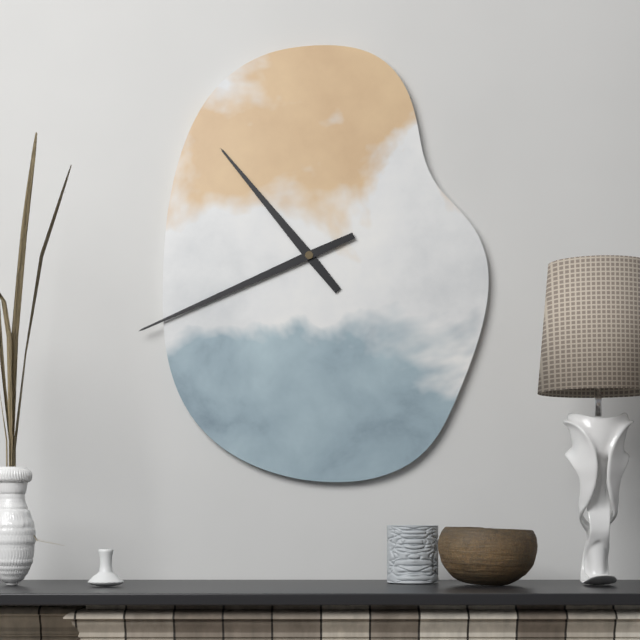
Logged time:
10h41
